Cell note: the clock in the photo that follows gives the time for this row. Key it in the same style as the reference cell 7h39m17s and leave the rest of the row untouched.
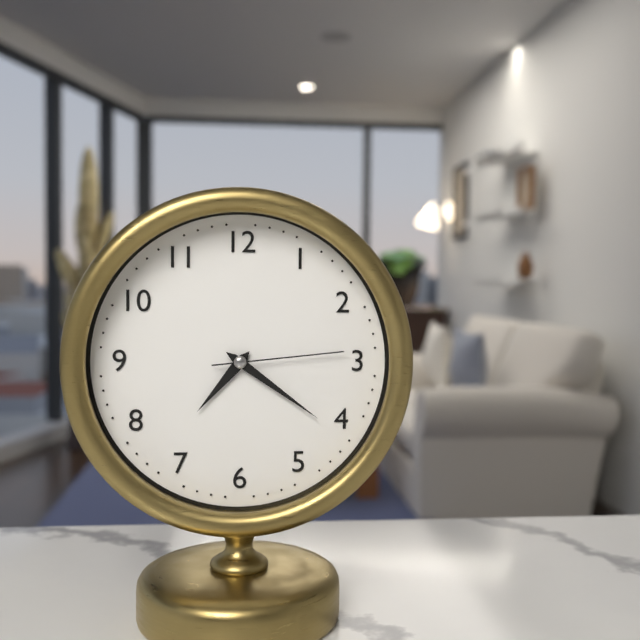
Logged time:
7h21m14s
